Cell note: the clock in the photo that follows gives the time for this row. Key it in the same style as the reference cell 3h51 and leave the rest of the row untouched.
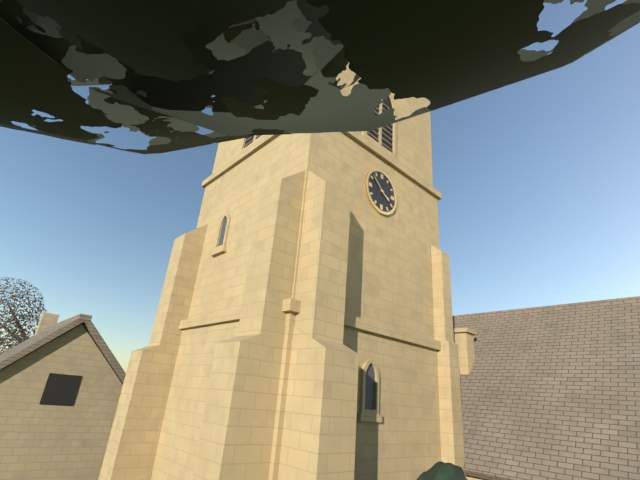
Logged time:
3h52
